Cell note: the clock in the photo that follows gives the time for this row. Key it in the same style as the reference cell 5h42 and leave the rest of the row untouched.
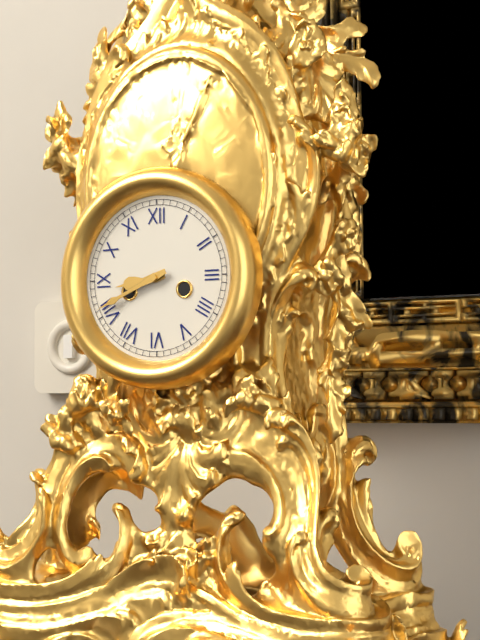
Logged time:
8h41
